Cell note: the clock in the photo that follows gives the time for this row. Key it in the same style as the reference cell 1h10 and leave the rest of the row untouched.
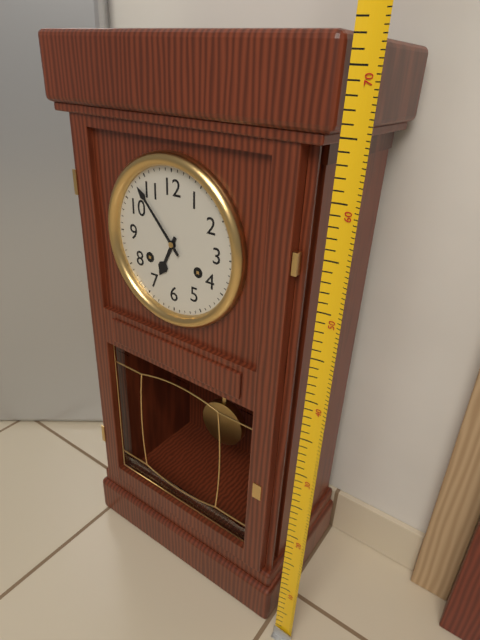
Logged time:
6h53
